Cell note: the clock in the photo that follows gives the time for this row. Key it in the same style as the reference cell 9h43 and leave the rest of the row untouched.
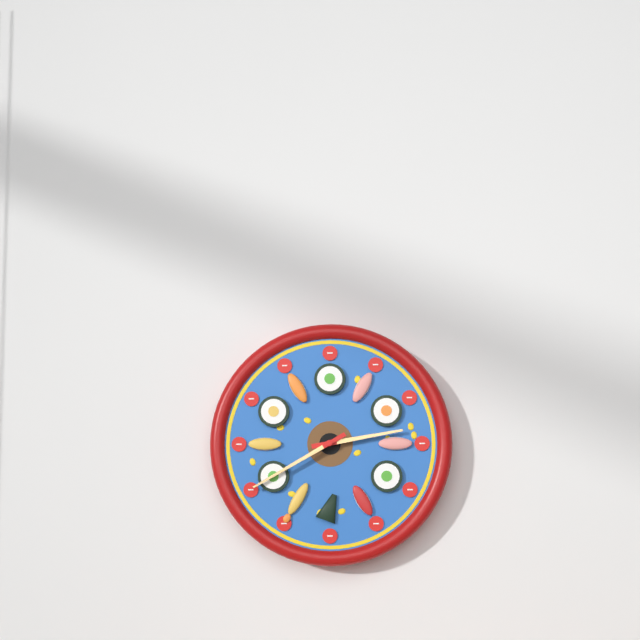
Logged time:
2h40
